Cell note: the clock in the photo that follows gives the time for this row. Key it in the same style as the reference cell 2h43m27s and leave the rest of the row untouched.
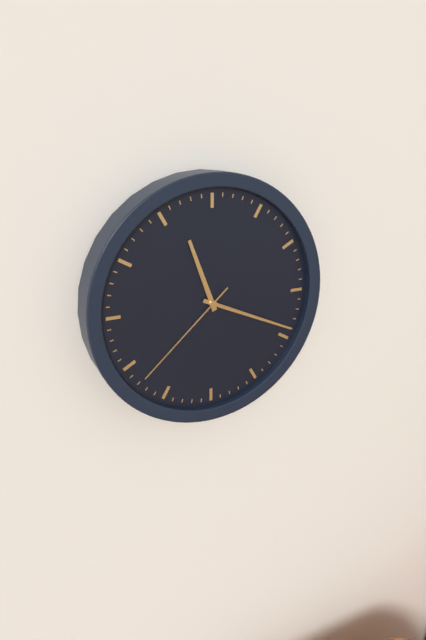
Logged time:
11h19m38s
